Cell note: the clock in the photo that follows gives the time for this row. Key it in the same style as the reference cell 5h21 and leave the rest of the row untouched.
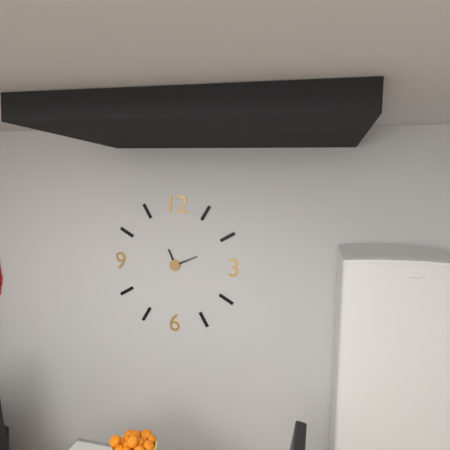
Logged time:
11h11
